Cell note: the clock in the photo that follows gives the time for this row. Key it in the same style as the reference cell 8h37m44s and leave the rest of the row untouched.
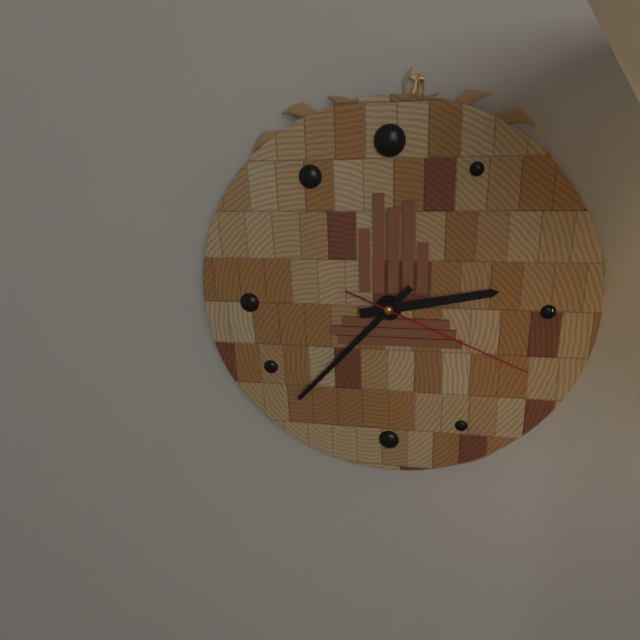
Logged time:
2h37m19s
